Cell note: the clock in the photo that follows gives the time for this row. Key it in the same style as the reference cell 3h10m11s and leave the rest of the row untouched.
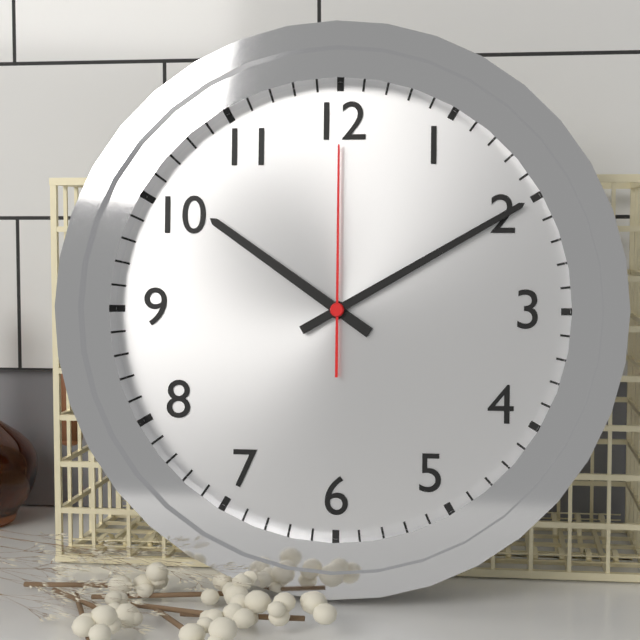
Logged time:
10h10m00s
